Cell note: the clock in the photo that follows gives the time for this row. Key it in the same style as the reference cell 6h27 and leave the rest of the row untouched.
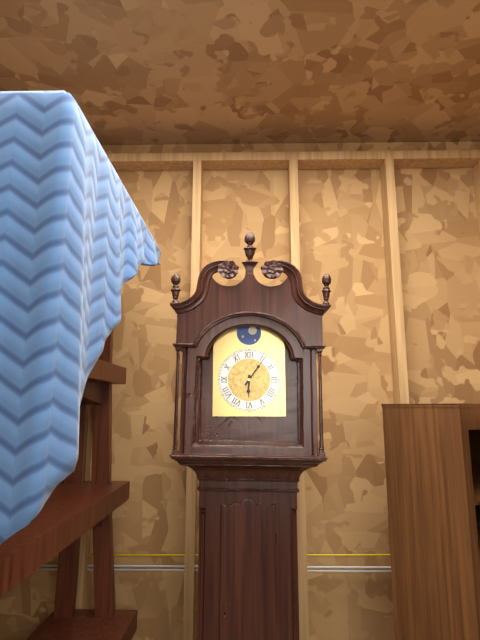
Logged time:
6h06
